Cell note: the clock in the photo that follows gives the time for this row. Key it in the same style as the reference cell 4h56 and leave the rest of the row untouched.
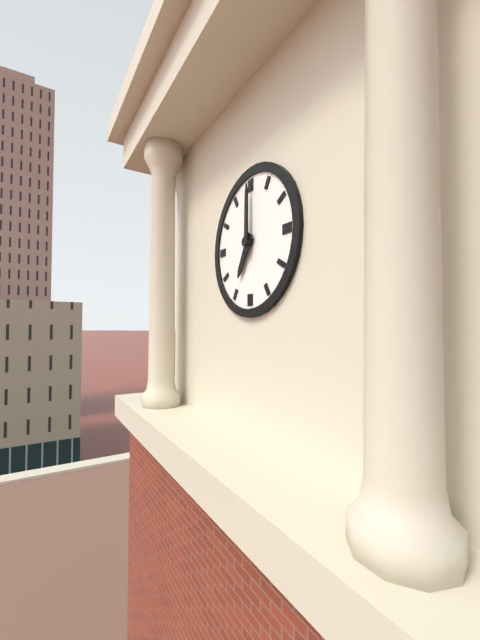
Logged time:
7h00
